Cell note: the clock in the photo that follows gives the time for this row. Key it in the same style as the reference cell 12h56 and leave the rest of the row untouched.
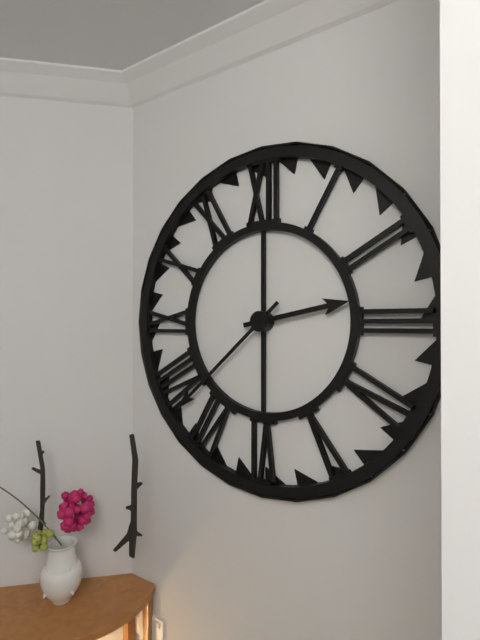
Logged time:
2h38
